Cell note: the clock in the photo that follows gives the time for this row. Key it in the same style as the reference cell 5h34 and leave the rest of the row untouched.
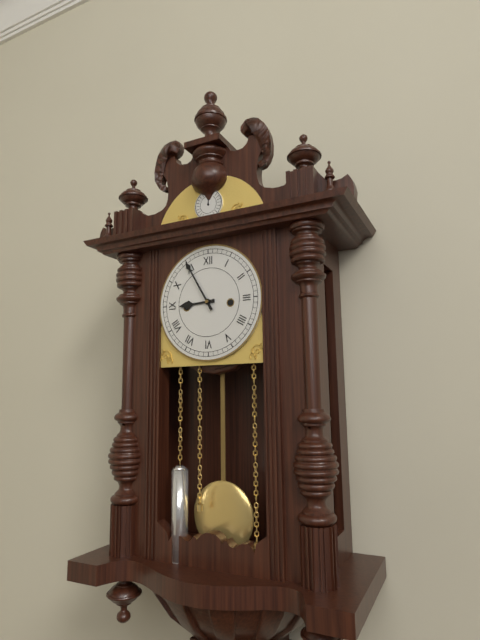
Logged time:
8h55
